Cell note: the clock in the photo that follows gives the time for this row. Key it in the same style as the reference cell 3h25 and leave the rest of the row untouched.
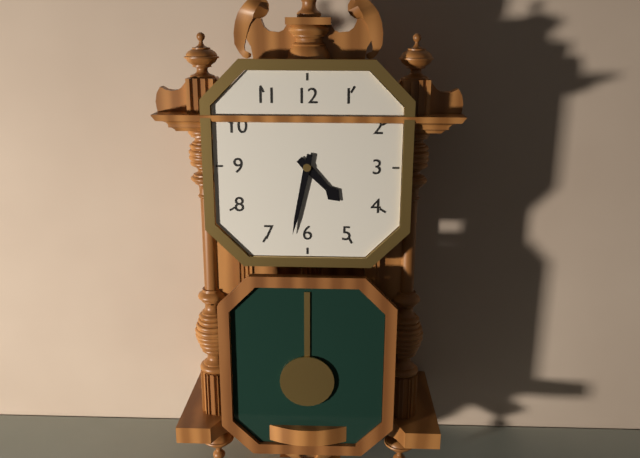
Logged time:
4h32
